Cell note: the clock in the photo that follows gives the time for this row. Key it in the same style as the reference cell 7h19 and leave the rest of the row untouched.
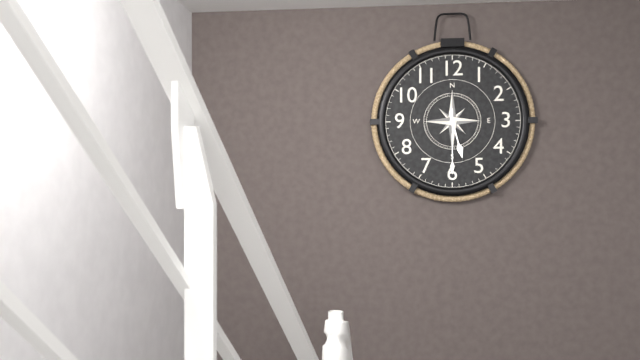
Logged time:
5h30
